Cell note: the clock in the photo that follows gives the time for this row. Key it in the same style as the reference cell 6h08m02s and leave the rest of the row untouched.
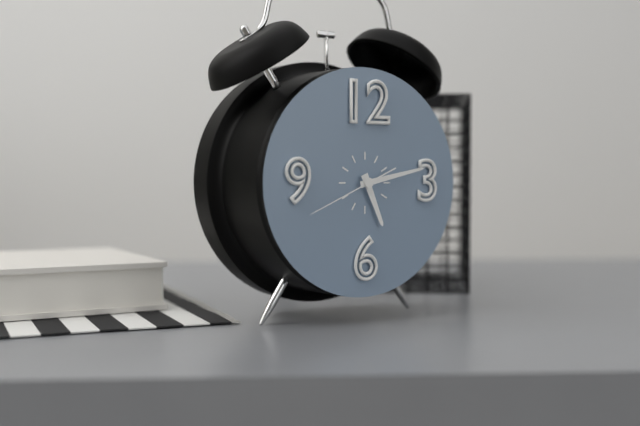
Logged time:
5h13m41s
